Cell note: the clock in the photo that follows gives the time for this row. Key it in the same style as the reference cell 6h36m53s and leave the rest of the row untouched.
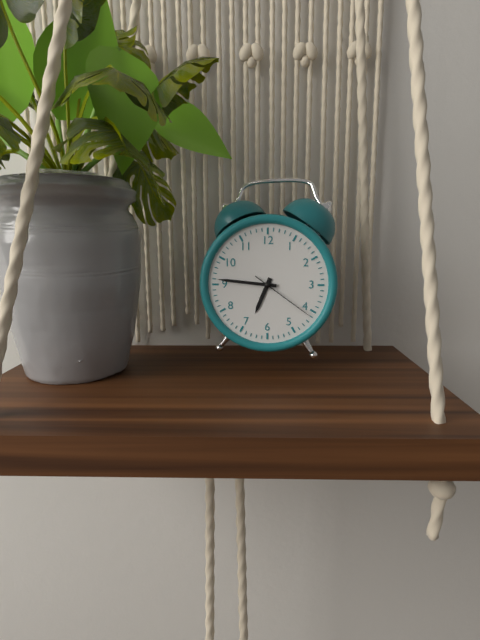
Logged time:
6h46m21s
